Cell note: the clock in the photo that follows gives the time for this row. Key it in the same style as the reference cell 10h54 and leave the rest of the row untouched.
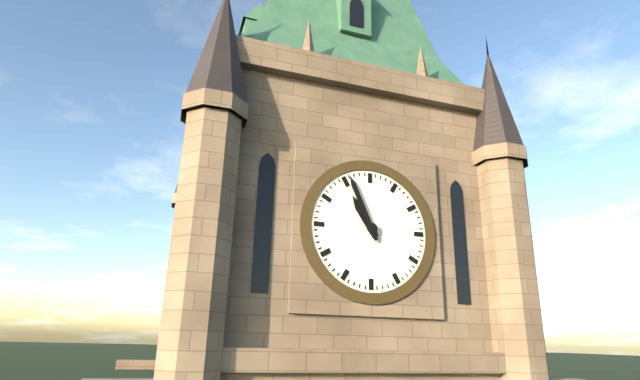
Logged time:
10h56
